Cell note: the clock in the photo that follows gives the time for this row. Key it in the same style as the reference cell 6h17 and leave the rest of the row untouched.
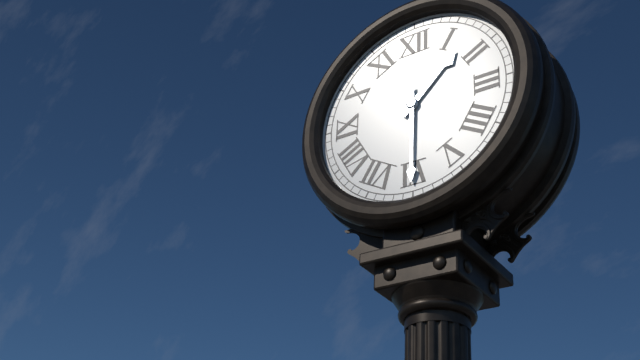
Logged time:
1h30
